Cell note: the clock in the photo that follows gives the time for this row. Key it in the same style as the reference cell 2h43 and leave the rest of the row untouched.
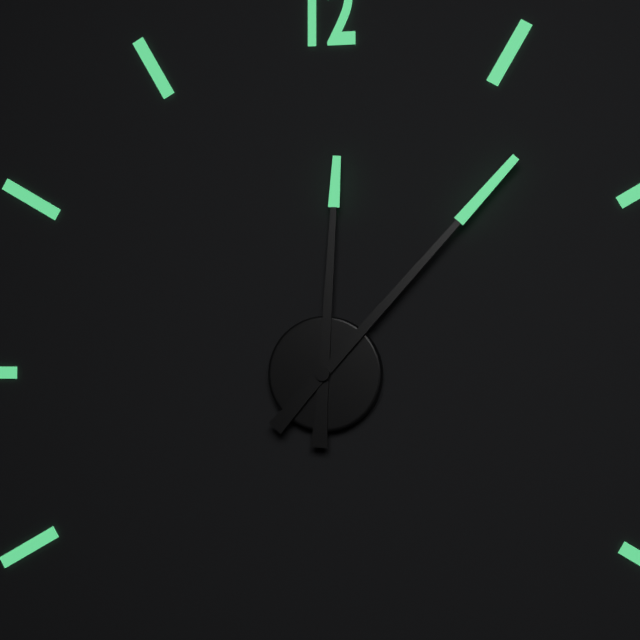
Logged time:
12h07
